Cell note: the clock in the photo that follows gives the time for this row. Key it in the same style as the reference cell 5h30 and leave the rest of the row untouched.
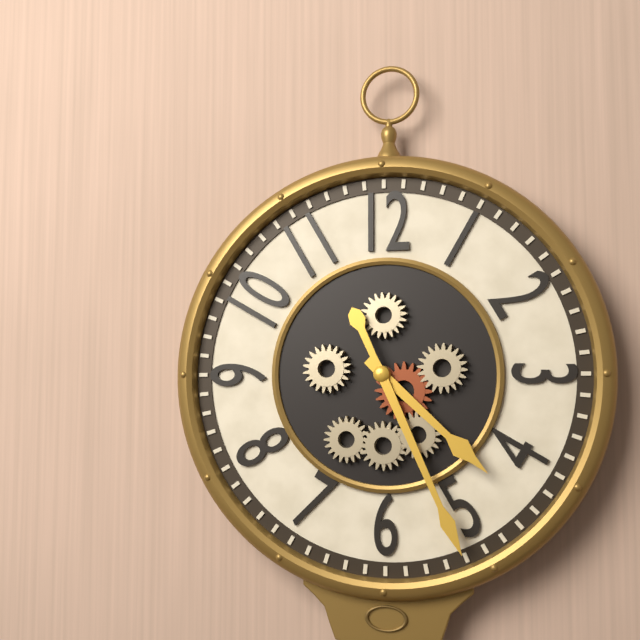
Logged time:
4h26
